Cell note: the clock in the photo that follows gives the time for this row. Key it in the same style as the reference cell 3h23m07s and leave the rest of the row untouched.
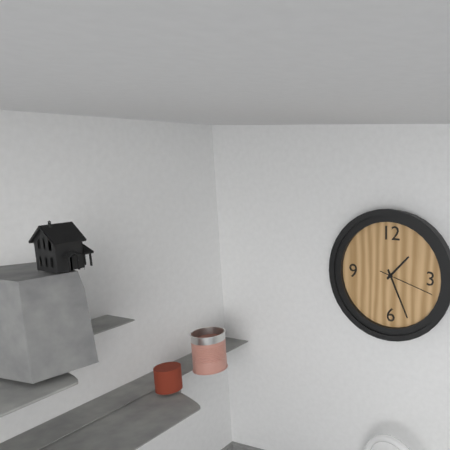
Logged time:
1h26m18s
